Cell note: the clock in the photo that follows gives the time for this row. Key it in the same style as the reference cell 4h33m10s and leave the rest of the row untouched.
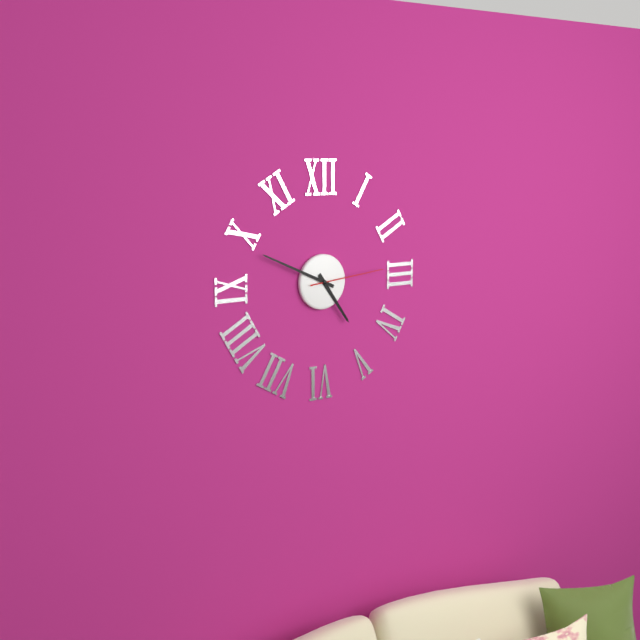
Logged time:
4h49m14s
